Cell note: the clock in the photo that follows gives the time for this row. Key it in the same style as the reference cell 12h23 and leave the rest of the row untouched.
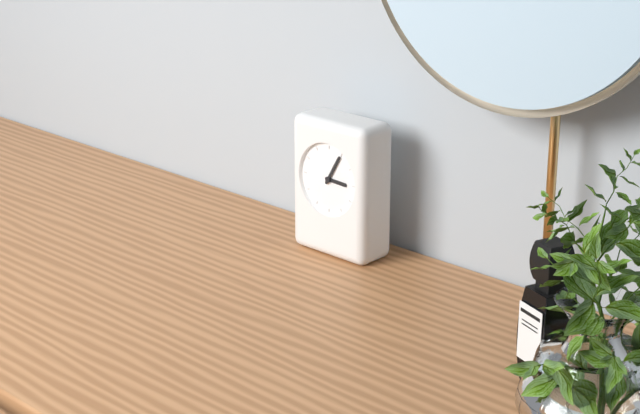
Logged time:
3h05
